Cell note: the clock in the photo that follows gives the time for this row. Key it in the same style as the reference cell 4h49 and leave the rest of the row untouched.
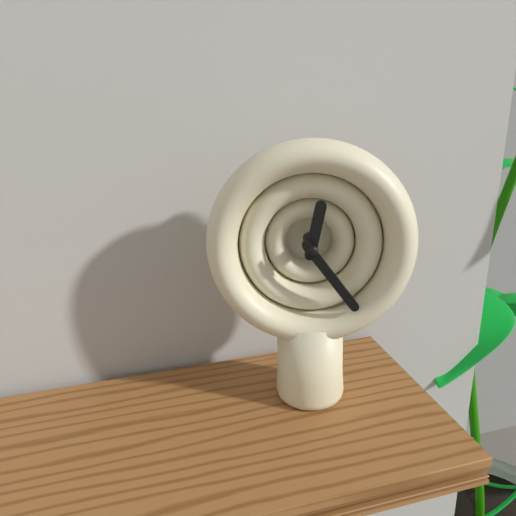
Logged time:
12h24
